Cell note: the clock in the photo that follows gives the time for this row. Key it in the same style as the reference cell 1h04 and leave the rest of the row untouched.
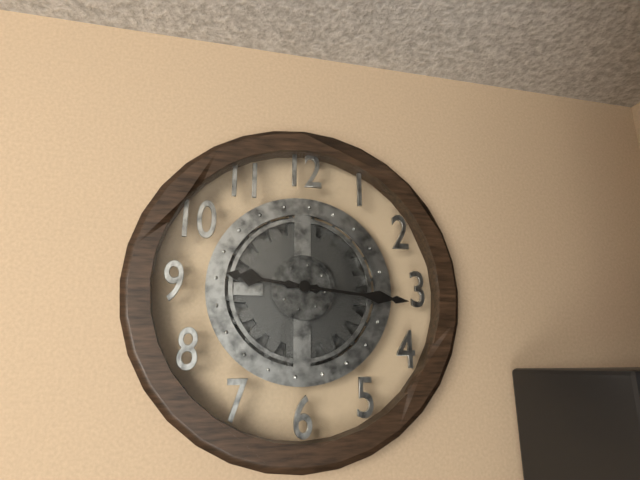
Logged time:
9h16
